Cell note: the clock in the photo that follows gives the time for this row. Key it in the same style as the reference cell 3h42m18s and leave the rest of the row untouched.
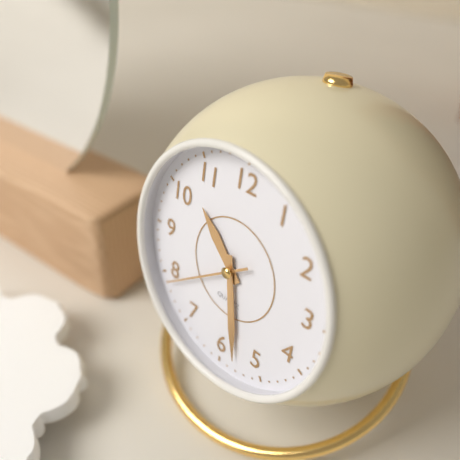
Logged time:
10h28m39s
